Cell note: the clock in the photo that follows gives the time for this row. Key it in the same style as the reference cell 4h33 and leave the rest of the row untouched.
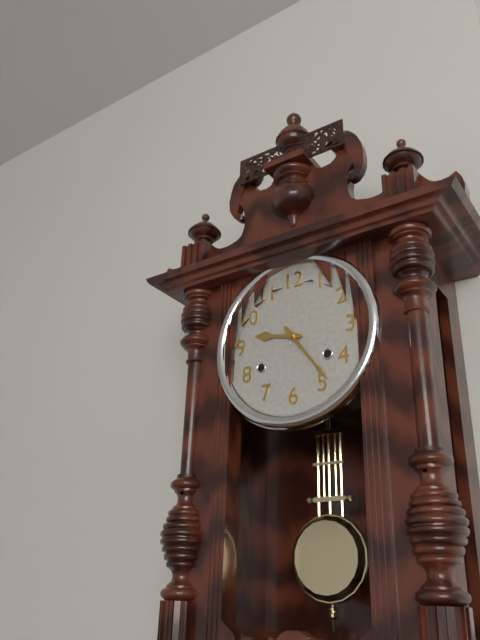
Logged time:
9h24
